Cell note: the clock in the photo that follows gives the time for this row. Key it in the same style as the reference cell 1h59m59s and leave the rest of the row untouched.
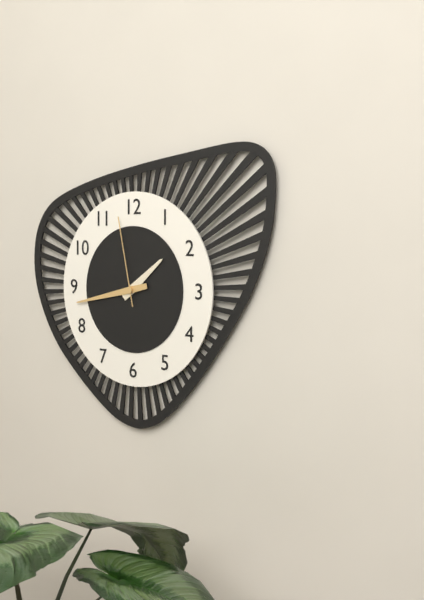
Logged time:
1h43m58s
